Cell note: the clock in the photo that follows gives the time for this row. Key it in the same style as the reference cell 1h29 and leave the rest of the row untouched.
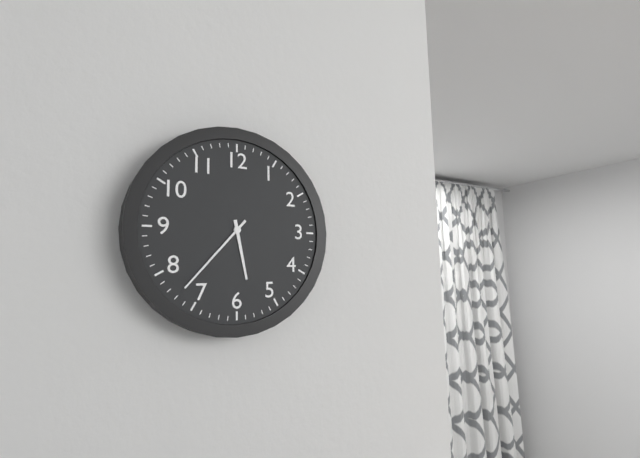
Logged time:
5h37
